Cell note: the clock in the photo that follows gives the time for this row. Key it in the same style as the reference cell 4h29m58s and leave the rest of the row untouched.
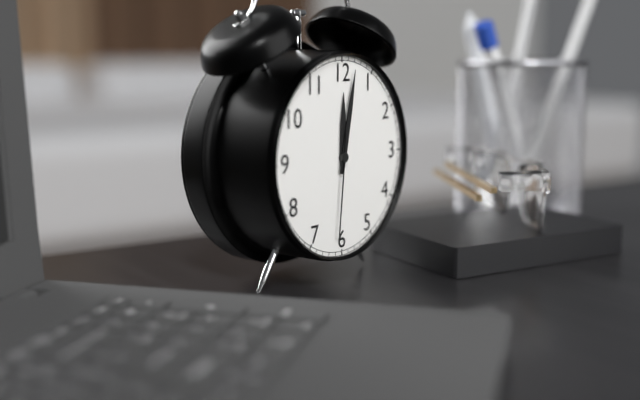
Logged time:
12h02m31s
